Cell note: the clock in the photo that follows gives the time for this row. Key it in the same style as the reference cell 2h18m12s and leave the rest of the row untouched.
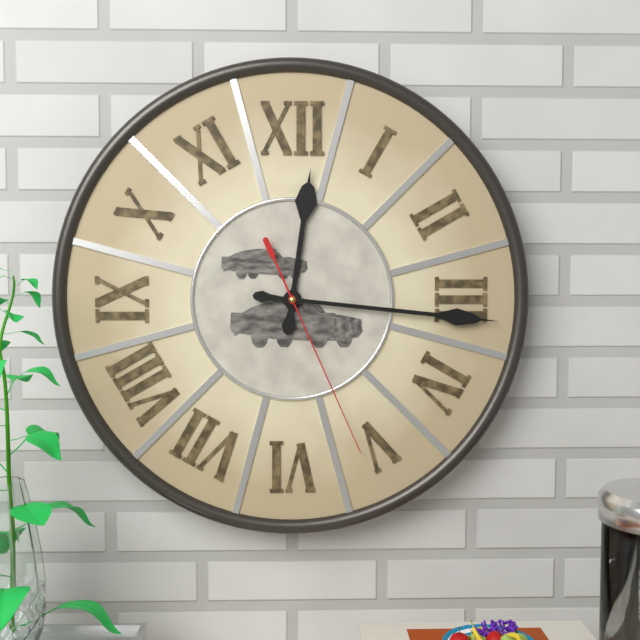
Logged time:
12h16m26s
